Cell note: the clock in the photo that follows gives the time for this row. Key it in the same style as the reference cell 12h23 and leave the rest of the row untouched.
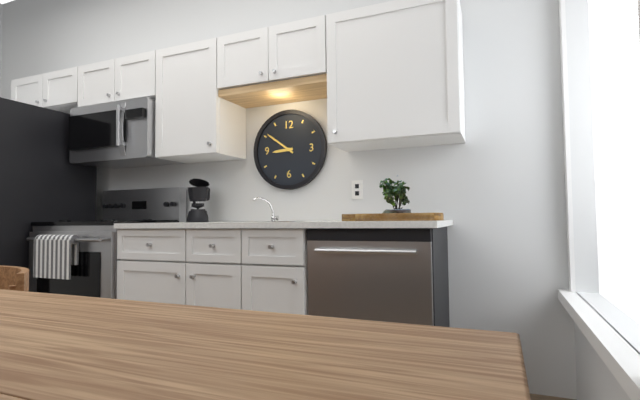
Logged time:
8h51
